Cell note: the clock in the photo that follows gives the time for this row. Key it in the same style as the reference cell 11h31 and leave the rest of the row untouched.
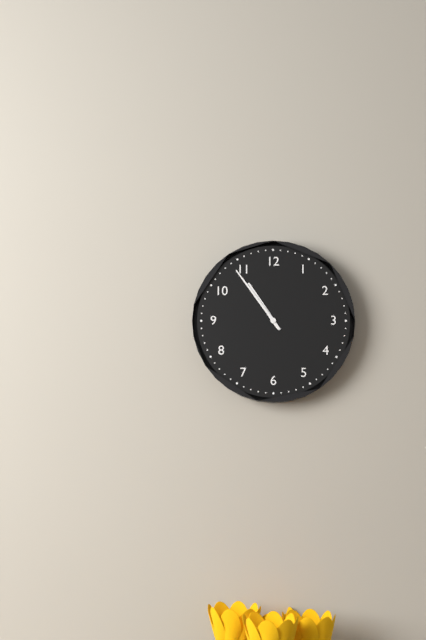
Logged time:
10h54
